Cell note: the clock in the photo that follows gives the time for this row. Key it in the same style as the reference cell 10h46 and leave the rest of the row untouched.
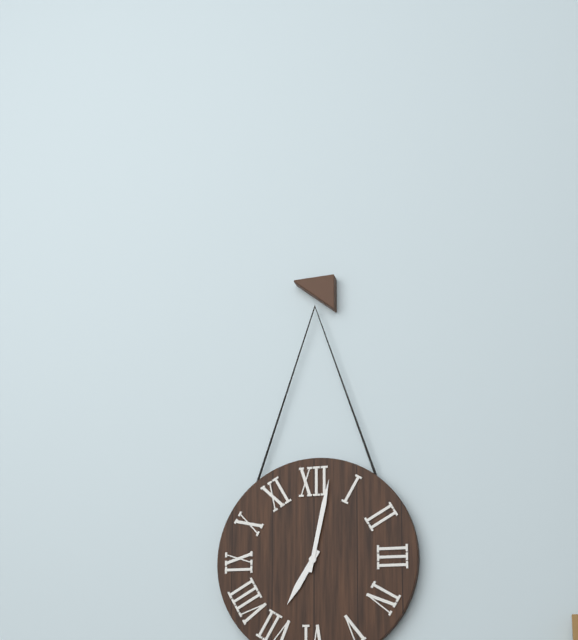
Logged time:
7h02
